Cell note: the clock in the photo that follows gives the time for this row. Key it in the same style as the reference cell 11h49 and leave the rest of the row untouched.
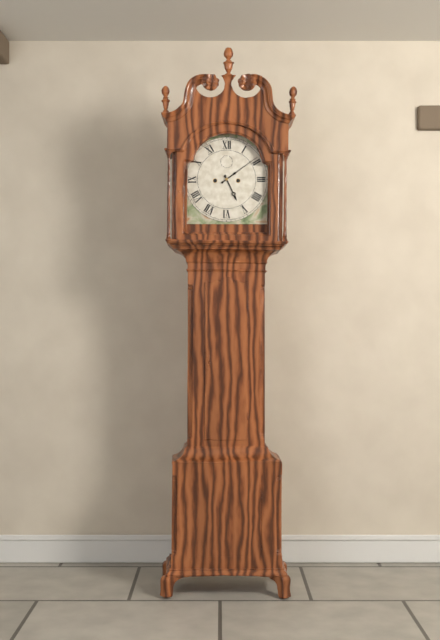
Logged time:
5h09
